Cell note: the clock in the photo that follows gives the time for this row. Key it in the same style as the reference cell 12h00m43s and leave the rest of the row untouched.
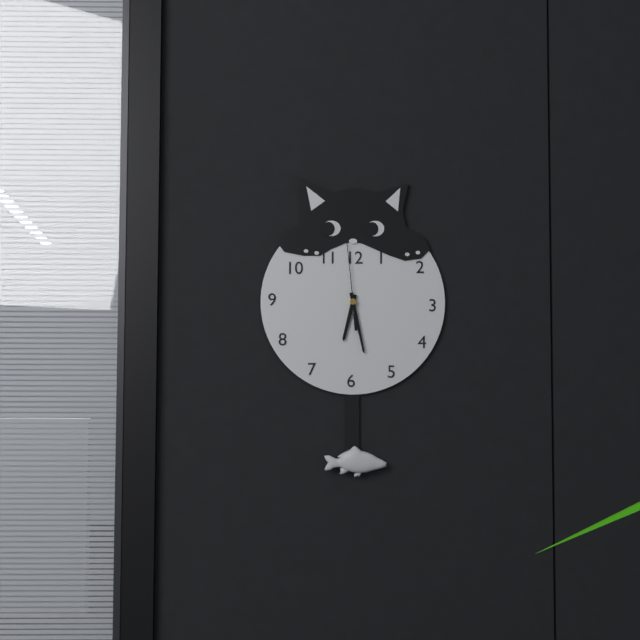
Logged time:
6h28m59s
